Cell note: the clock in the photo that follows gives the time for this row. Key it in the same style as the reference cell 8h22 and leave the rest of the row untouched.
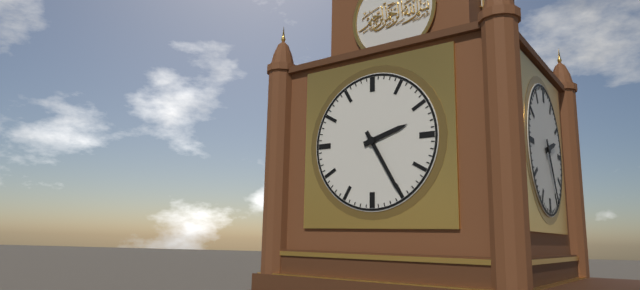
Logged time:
2h25
